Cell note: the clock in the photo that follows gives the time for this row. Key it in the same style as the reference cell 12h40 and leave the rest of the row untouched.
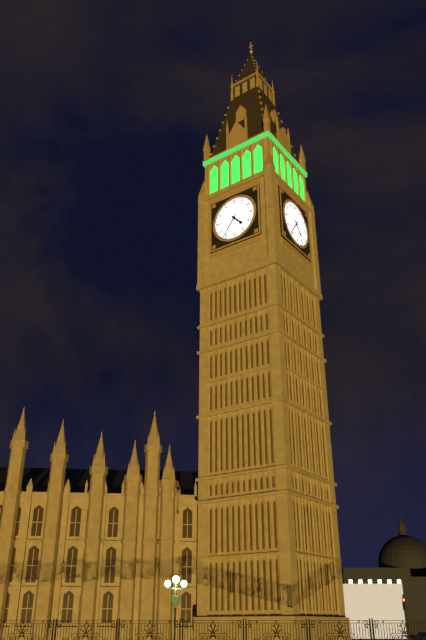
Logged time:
4h36
